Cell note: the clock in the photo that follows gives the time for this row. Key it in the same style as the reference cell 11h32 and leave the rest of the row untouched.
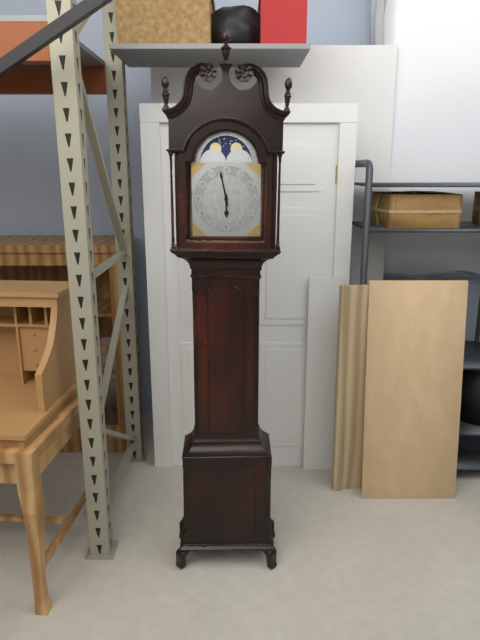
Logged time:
5h58
